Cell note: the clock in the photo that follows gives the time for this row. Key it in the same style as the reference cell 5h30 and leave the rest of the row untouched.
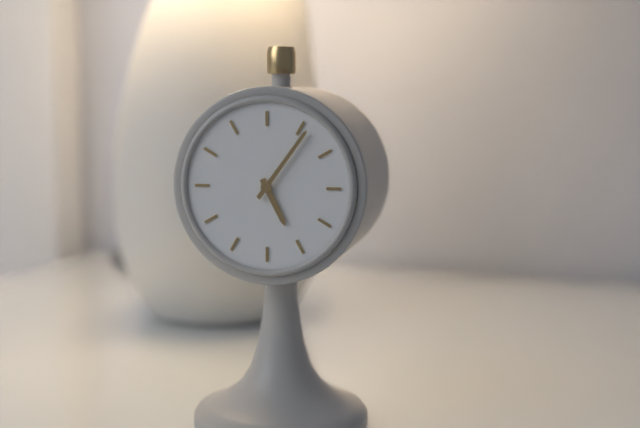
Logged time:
5h06
